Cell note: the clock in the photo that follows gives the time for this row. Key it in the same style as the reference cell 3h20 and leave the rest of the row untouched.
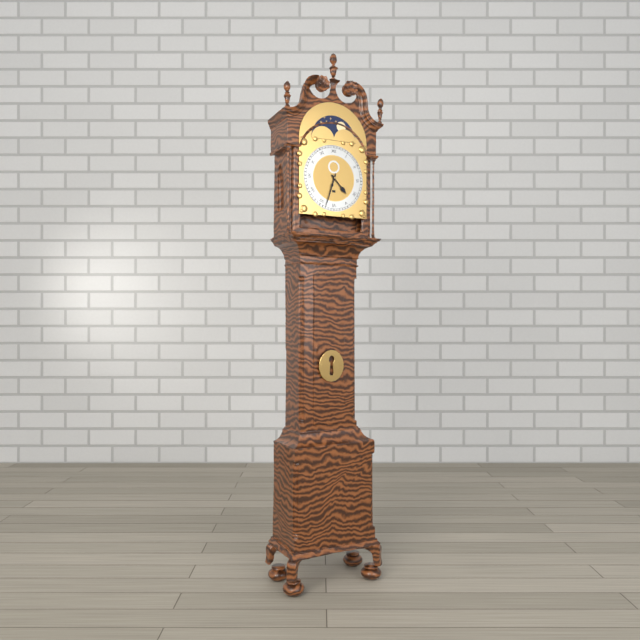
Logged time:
4h33
